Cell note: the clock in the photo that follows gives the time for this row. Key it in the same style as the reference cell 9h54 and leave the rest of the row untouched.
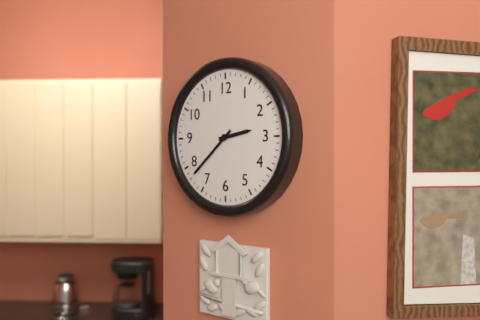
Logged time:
2h38
